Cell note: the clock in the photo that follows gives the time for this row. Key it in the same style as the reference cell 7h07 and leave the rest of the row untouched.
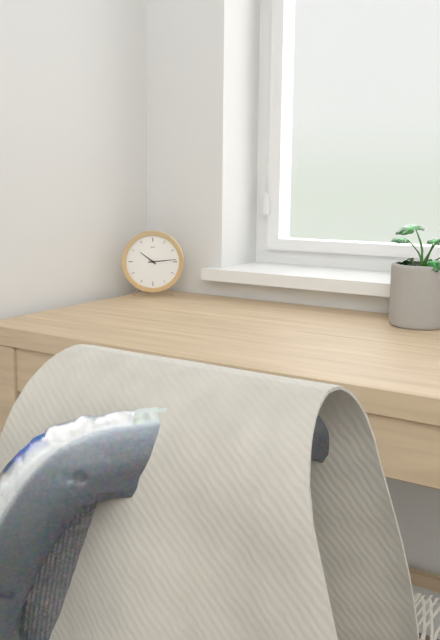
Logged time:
10h14
